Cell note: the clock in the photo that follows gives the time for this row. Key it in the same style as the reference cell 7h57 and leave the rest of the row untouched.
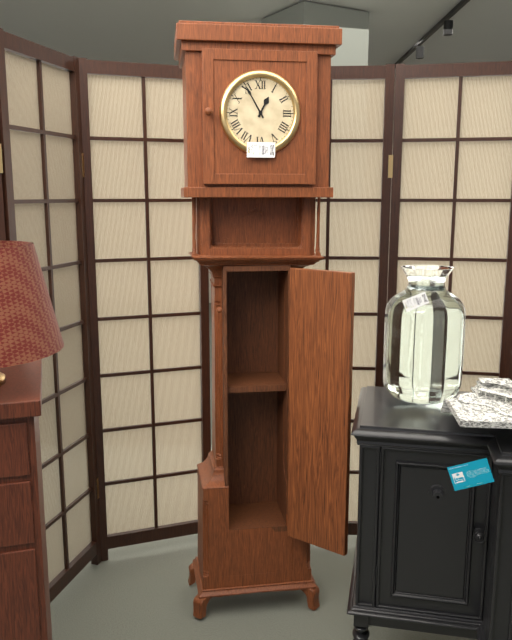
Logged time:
12h55
